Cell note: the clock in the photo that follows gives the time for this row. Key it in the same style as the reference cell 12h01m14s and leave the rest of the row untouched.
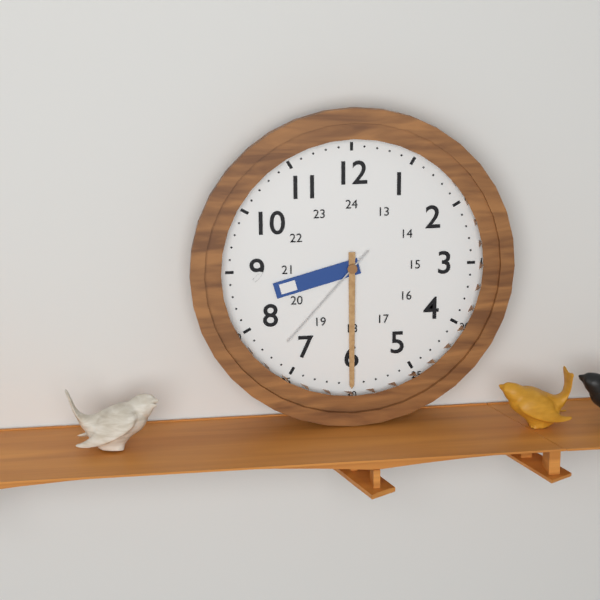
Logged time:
8h30m37s
